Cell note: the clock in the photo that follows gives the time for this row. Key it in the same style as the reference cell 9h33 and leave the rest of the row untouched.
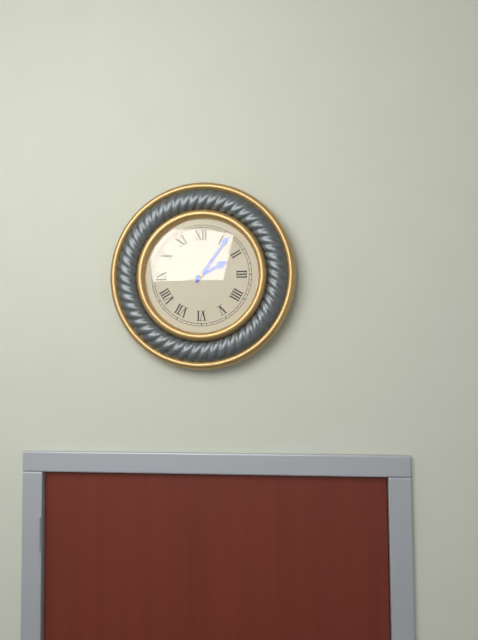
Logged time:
2h06
